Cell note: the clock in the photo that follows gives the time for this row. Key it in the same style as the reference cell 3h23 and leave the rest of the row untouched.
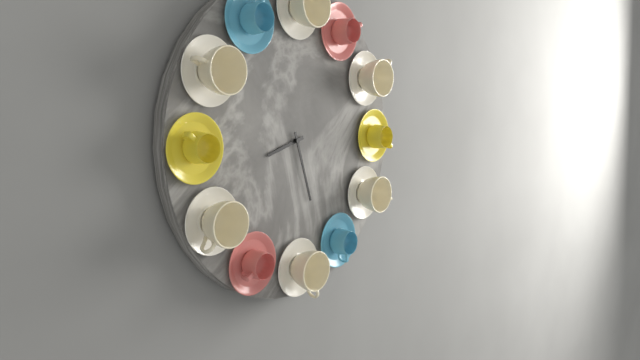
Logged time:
8h27
